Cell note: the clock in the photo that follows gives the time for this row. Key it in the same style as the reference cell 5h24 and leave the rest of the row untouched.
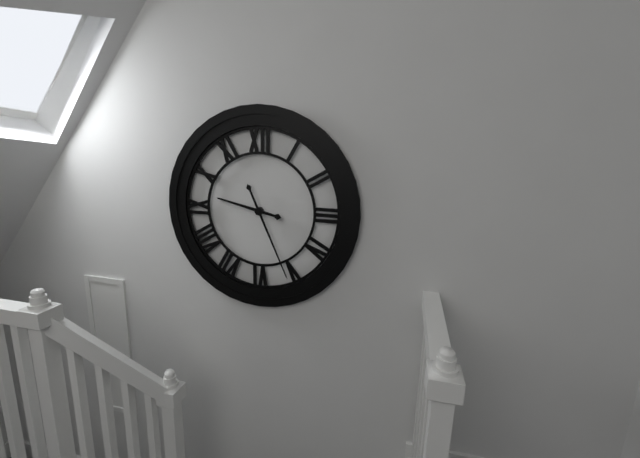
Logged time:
9h26
